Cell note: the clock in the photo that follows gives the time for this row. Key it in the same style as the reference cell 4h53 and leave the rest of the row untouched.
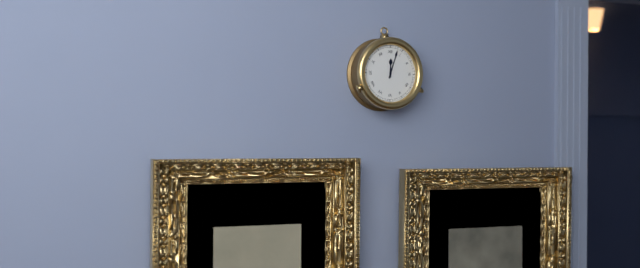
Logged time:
12h03
